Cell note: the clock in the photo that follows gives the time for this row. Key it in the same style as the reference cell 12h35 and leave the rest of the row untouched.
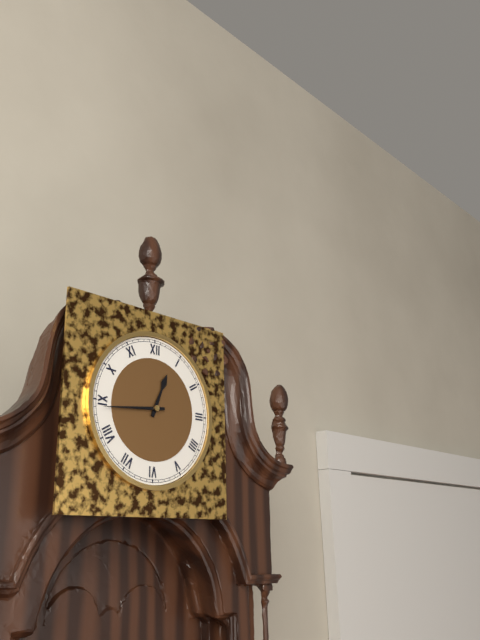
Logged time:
12h44
